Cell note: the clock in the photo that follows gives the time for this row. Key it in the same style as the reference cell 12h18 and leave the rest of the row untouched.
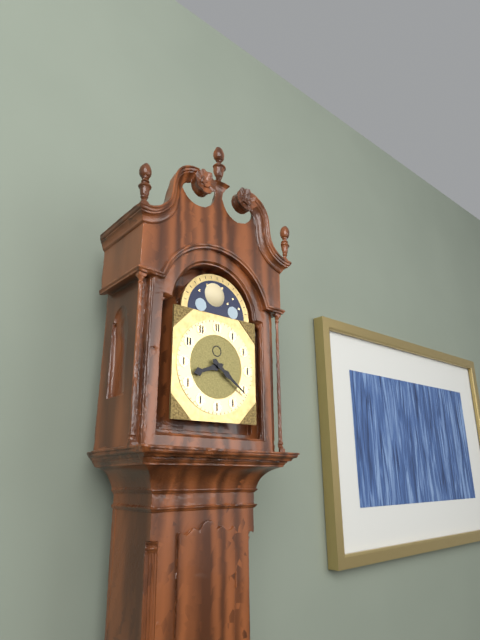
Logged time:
8h21
